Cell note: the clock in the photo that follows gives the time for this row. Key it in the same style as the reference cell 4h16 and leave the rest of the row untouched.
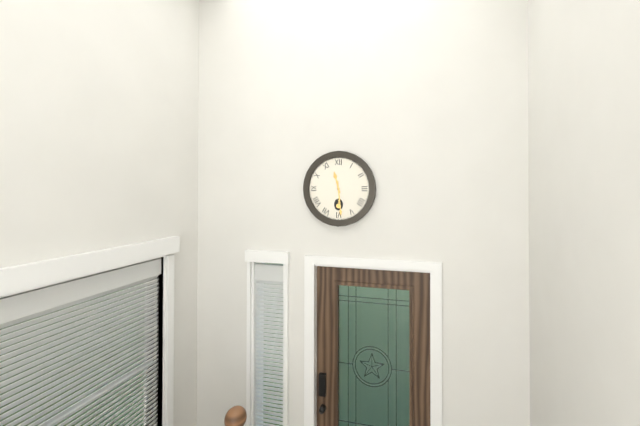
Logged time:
11h29
